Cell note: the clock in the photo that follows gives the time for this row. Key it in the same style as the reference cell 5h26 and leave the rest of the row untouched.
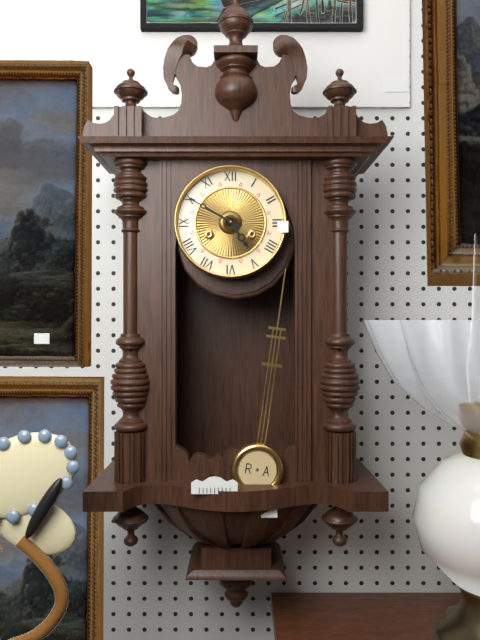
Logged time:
4h50
